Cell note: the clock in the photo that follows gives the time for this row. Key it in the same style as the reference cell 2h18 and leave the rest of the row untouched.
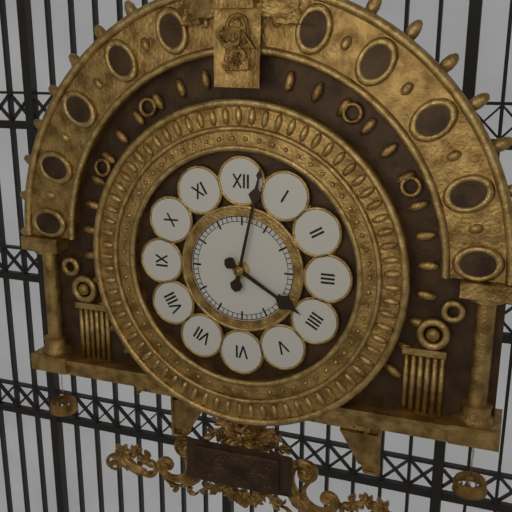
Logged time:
4h02
